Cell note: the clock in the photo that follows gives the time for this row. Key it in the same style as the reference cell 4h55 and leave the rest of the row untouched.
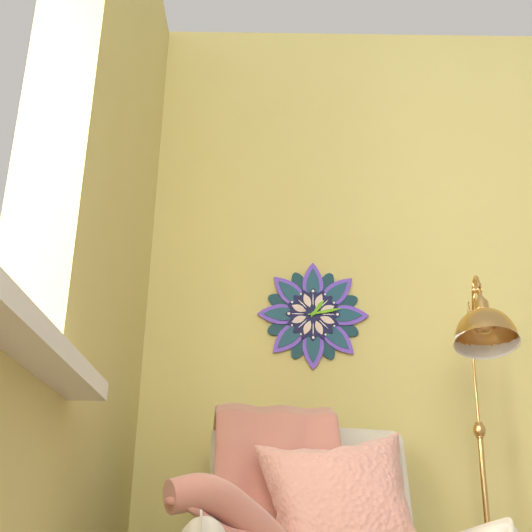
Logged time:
1h13
